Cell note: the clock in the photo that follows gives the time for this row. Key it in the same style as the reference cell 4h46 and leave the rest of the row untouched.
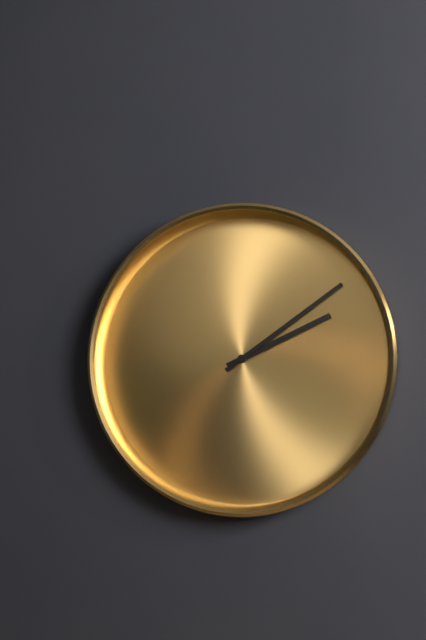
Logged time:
2h09
